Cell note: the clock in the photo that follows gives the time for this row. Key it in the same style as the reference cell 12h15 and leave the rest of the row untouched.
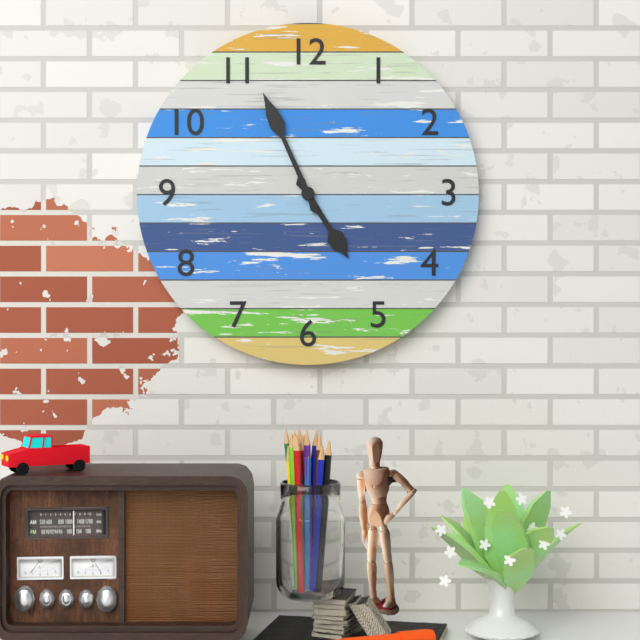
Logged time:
4h56
